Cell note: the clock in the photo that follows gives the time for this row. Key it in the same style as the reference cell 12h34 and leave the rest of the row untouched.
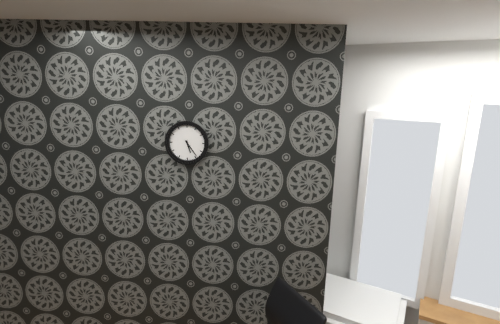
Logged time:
5h24
